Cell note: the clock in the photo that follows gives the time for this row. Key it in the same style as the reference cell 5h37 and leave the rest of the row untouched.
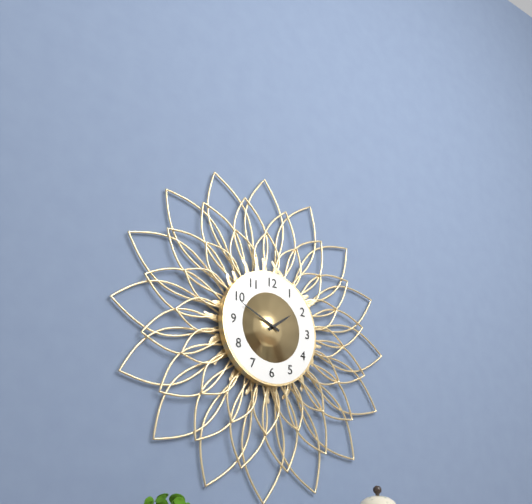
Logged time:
1h49
